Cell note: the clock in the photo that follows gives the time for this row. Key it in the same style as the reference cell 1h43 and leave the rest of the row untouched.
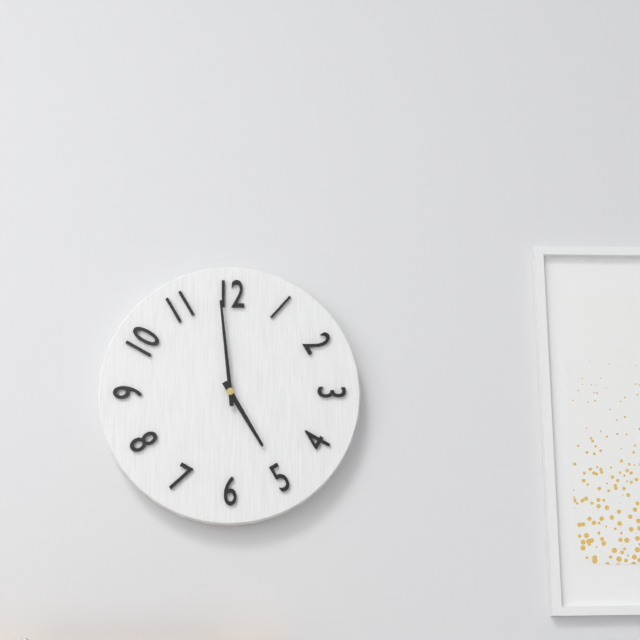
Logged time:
4h59
